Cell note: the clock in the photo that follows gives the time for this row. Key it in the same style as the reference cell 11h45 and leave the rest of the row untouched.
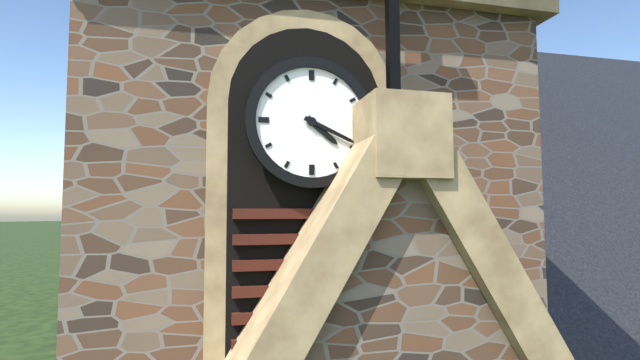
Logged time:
4h19
